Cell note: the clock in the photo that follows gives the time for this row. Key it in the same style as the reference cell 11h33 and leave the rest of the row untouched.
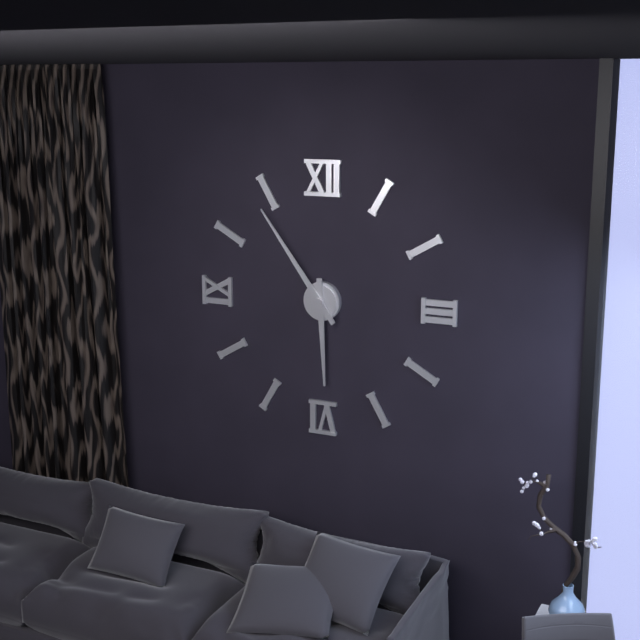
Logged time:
5h54
